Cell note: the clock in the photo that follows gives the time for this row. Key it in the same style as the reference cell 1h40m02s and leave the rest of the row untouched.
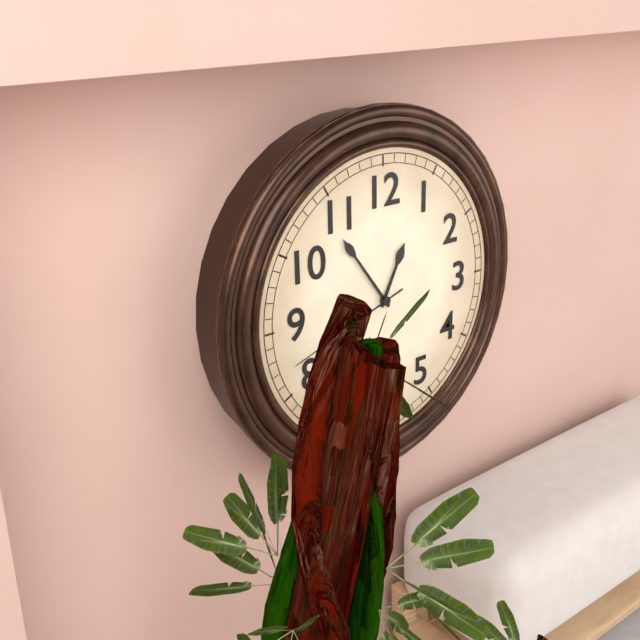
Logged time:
12h54m42s
